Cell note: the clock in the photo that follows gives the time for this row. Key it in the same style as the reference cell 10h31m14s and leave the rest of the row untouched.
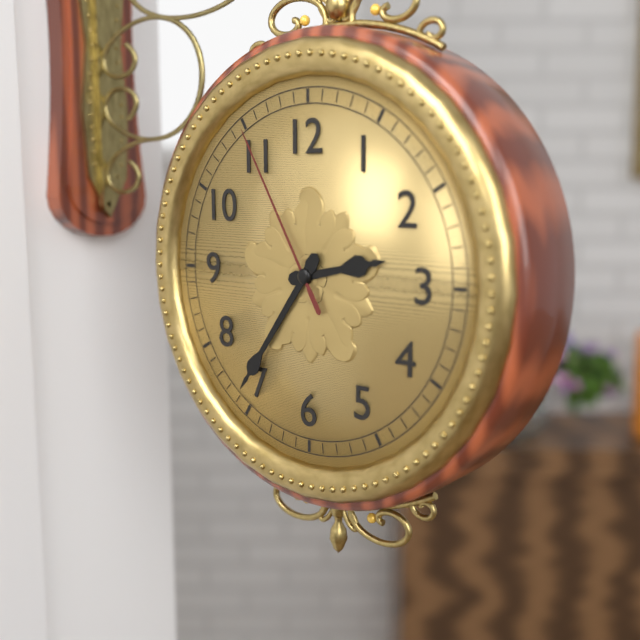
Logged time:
2h36m55s
